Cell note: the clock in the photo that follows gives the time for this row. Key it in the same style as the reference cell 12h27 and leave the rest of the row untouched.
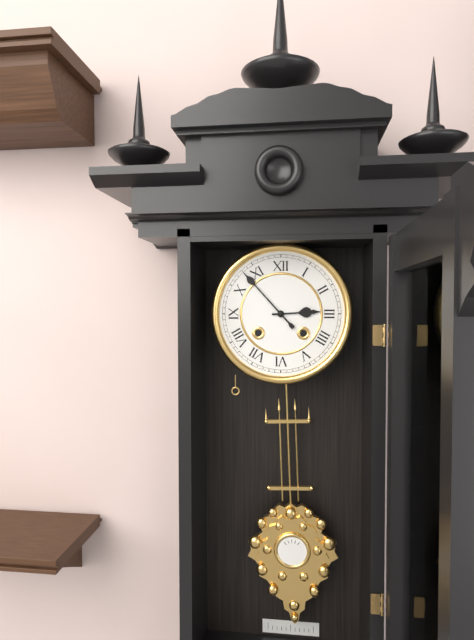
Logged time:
2h53
